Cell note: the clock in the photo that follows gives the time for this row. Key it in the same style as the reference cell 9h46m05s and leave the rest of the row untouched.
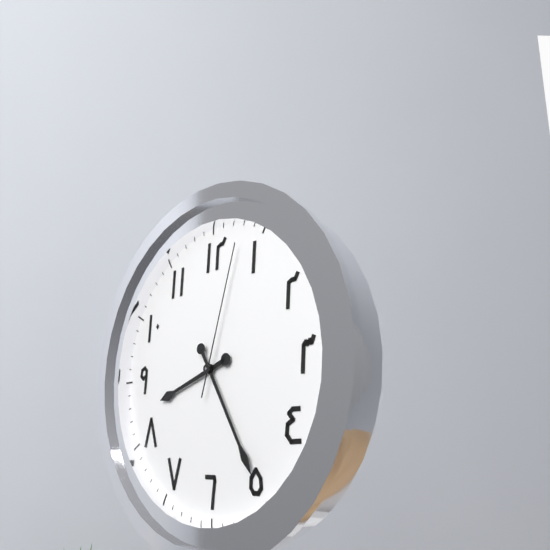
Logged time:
8h25m03s
